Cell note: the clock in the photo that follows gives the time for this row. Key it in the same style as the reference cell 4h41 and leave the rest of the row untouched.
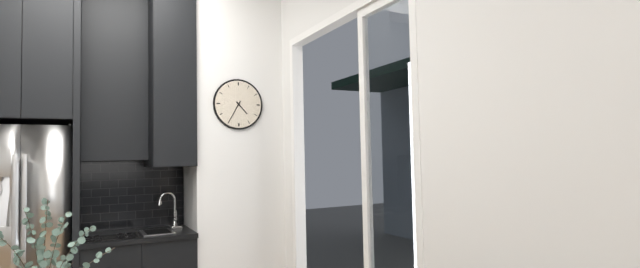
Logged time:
4h35
